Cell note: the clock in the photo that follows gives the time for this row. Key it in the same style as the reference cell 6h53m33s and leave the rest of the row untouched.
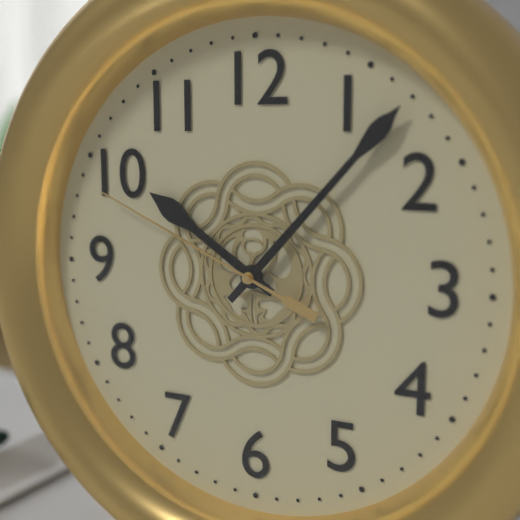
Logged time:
10h07m49s
